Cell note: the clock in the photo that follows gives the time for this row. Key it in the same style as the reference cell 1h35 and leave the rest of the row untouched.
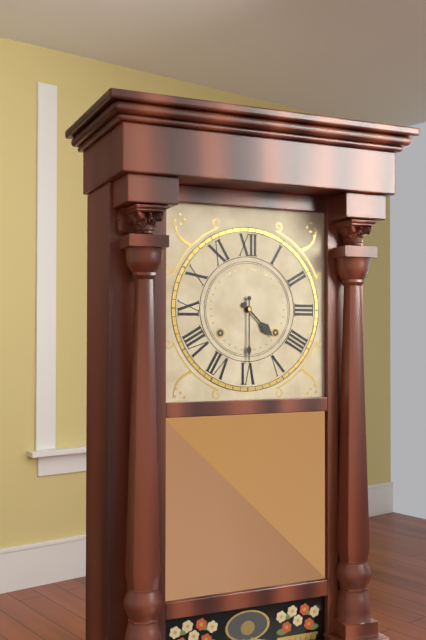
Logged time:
4h30
